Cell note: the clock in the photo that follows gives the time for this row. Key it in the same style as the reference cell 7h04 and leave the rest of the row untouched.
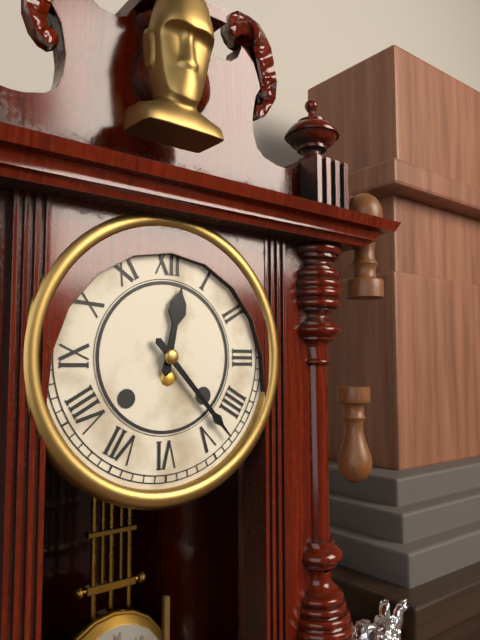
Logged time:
12h23
